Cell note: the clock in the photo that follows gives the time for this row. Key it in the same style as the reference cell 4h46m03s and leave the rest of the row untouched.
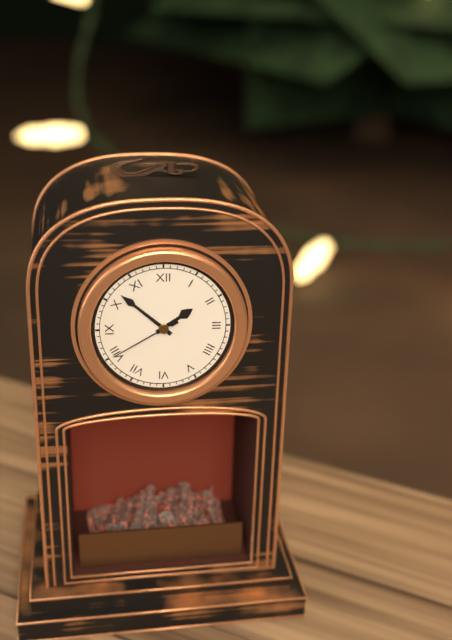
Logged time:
1h52m40s
